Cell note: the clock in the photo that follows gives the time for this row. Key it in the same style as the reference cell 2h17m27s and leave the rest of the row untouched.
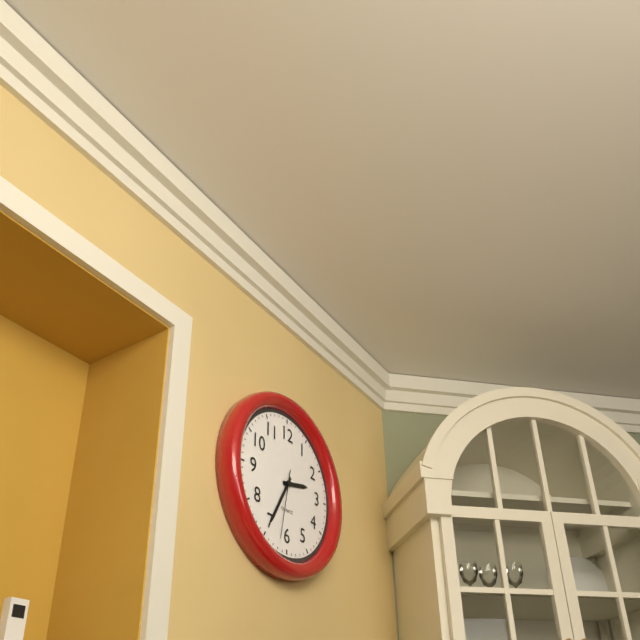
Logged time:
2h35m32s
